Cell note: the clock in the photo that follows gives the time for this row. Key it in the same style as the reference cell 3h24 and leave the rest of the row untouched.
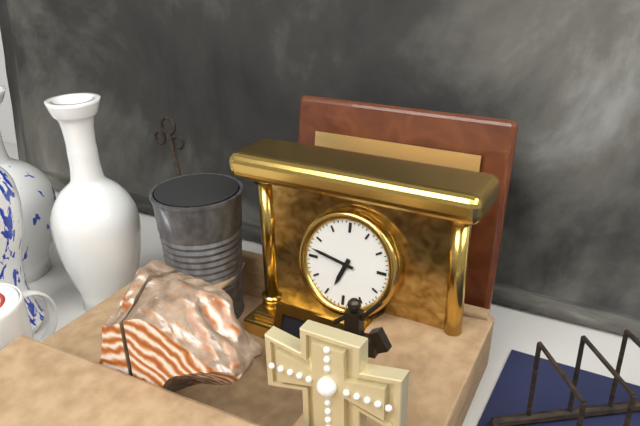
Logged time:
6h47
